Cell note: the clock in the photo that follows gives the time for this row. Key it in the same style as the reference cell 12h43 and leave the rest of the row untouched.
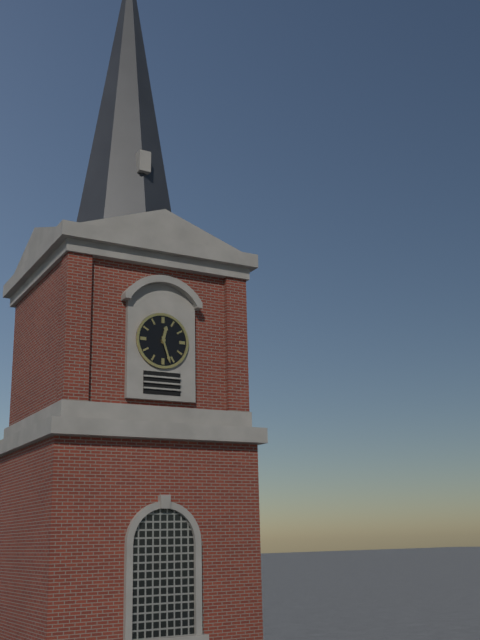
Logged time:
12h27
